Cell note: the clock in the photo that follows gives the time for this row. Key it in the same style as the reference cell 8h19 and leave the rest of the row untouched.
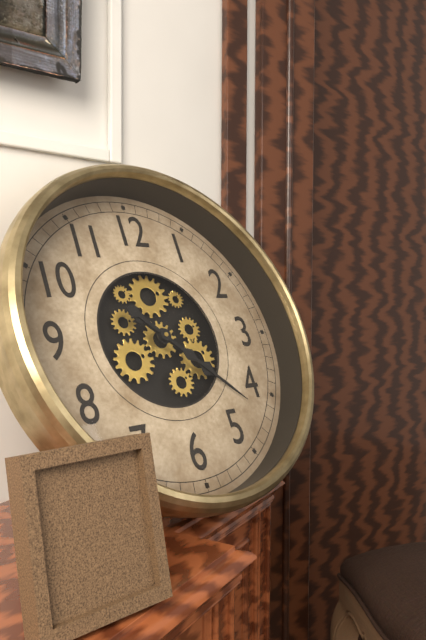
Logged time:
4h22
